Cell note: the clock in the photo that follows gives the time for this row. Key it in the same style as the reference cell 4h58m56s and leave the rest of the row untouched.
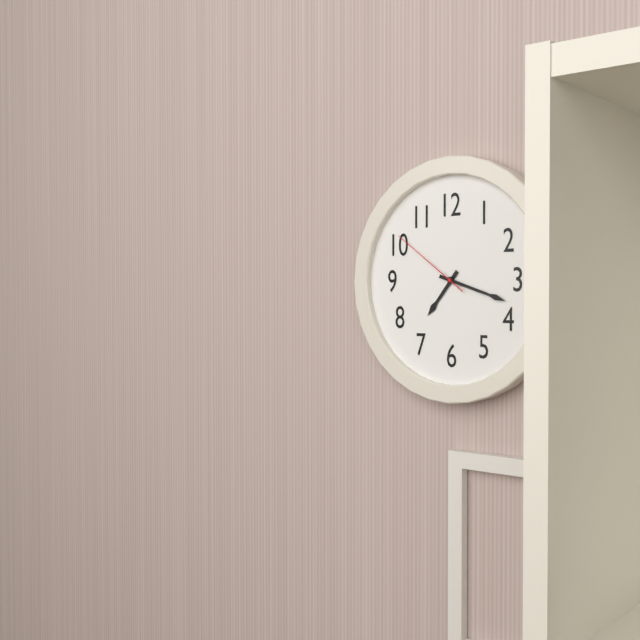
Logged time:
7h18m51s
